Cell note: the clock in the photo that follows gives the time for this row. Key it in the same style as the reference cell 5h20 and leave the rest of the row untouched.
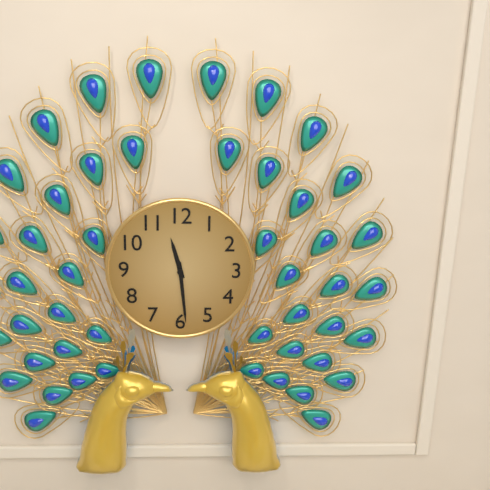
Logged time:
11h29
